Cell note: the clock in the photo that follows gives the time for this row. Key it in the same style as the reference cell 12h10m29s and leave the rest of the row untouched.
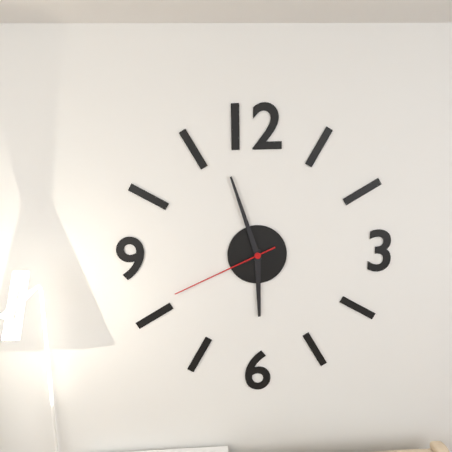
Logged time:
5h57m41s
